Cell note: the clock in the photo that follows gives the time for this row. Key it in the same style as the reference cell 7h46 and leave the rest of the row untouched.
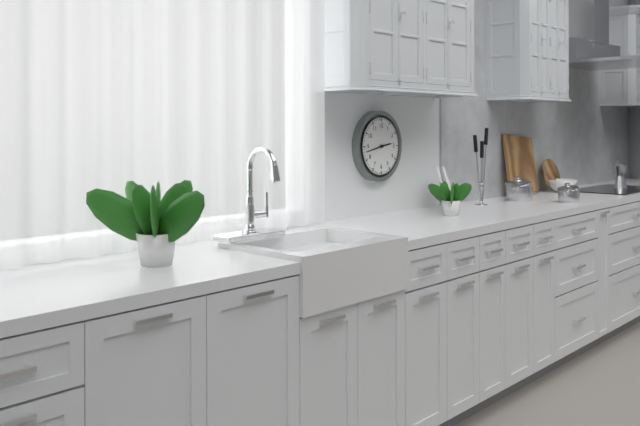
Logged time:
2h43
